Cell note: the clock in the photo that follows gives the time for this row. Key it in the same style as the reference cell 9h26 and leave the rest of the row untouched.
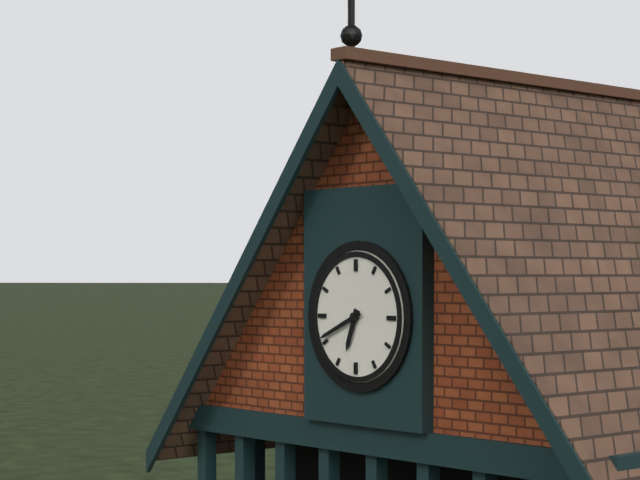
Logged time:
6h41
